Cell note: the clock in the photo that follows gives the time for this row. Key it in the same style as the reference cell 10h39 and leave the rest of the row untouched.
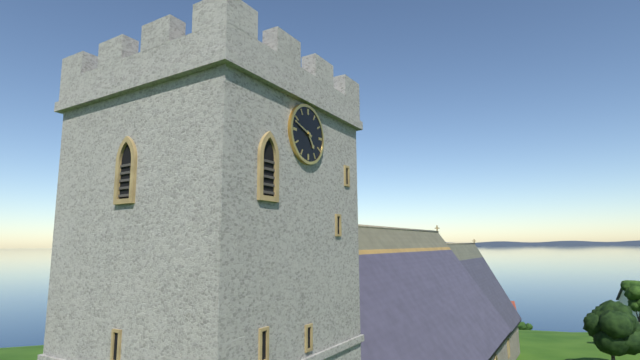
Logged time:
4h48
